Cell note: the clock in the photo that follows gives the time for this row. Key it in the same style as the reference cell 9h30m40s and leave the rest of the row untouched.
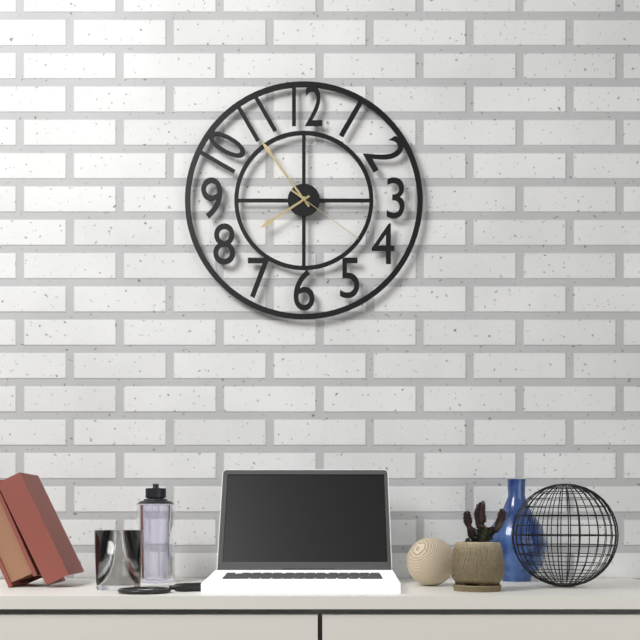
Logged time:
7h54m21s
